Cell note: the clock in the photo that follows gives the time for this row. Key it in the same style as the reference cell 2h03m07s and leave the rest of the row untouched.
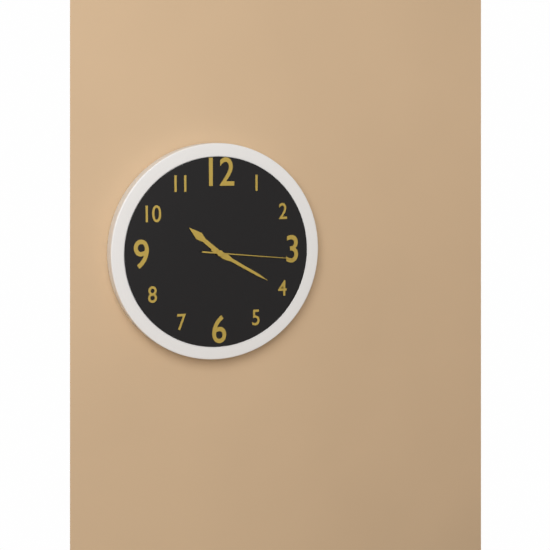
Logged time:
10h20m16s
